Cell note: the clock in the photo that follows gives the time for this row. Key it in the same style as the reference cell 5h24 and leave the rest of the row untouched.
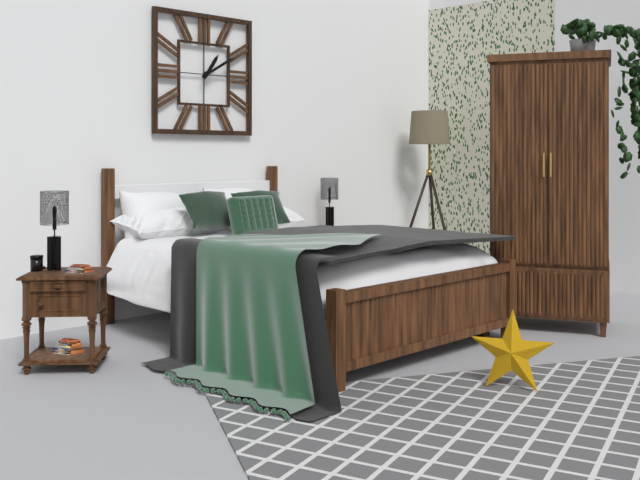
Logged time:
1h10
